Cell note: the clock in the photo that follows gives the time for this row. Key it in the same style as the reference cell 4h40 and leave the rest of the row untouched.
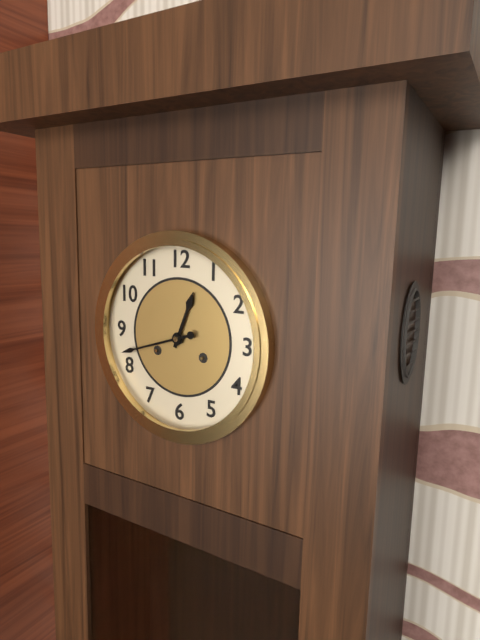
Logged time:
12h42
